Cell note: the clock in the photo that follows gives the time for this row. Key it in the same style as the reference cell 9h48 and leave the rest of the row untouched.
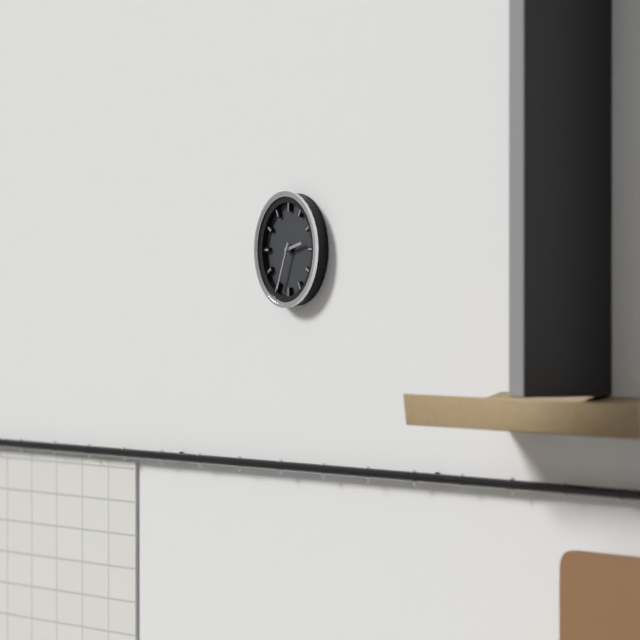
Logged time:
2h34
